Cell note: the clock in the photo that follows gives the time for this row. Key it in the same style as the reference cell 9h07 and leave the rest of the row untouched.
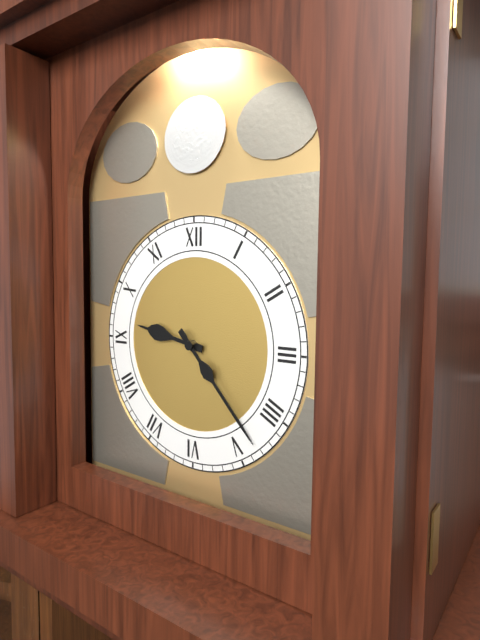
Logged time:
9h23
